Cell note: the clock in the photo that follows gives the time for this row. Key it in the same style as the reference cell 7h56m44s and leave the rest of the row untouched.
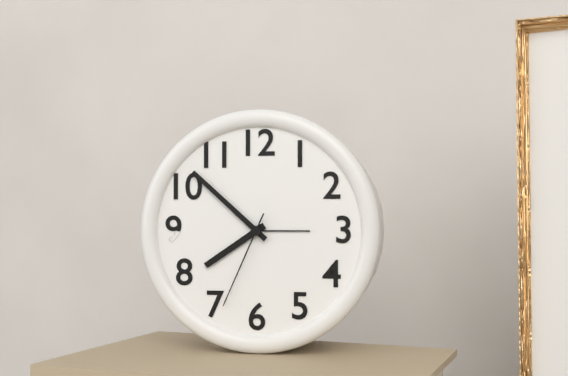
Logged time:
7h52m34s
